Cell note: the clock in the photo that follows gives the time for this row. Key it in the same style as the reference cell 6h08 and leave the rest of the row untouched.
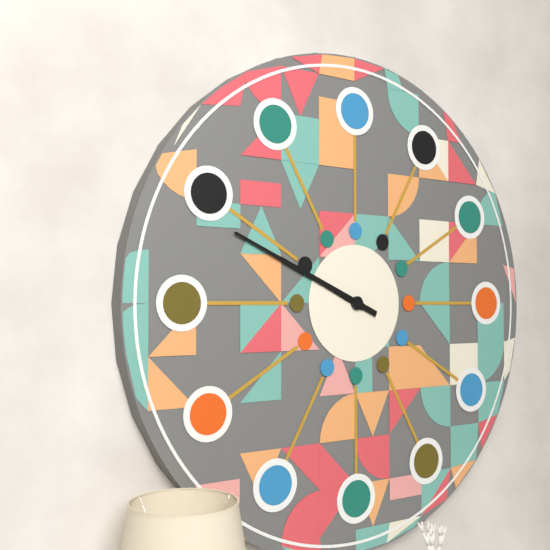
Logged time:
9h49
